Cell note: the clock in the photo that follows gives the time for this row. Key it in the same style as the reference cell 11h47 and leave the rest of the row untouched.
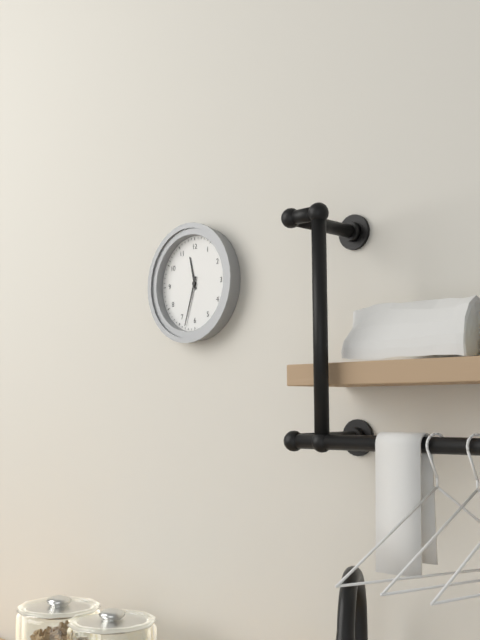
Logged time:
11h33
